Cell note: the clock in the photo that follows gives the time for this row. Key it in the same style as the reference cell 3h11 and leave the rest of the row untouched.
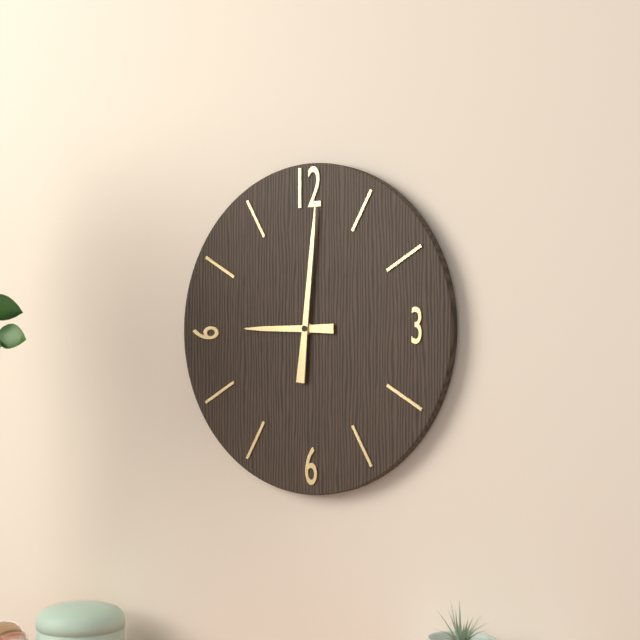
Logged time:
9h01
